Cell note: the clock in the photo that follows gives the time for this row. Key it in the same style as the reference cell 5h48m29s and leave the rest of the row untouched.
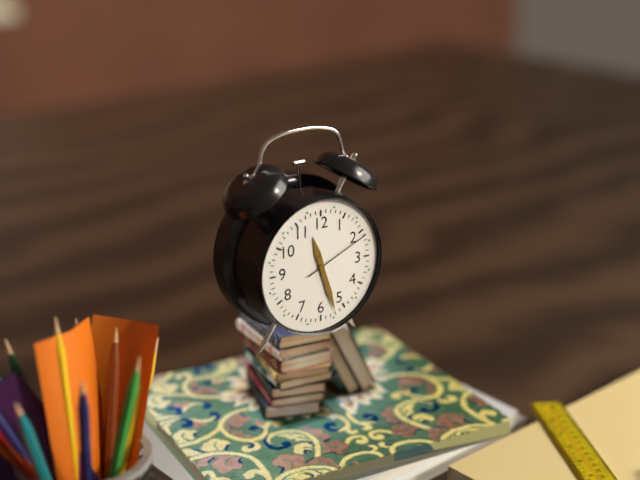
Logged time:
11h27m11s
